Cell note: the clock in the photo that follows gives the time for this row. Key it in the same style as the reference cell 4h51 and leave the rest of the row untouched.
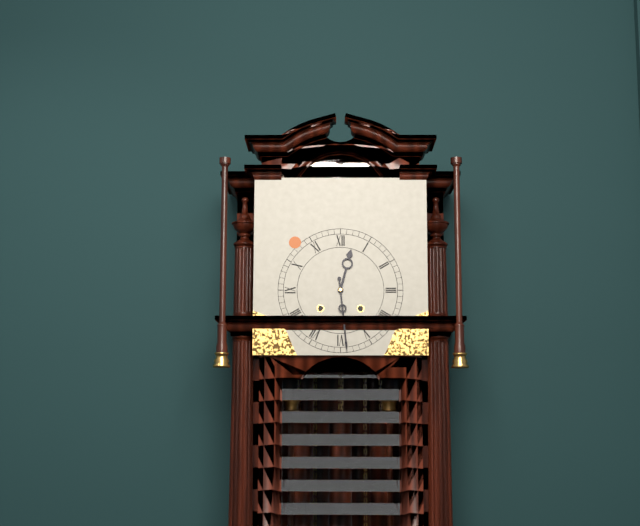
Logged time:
12h29
